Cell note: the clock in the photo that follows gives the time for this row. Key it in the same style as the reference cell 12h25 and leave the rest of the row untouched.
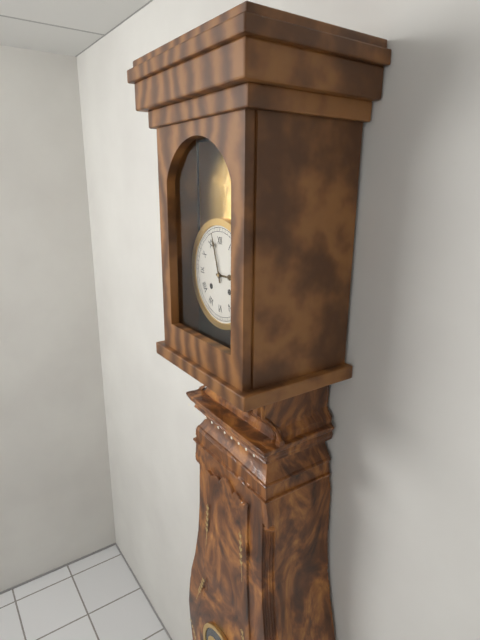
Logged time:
2h57
